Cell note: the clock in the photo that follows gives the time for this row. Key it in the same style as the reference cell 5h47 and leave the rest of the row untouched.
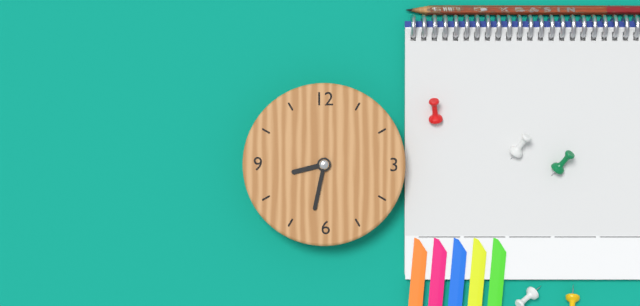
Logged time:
8h32
